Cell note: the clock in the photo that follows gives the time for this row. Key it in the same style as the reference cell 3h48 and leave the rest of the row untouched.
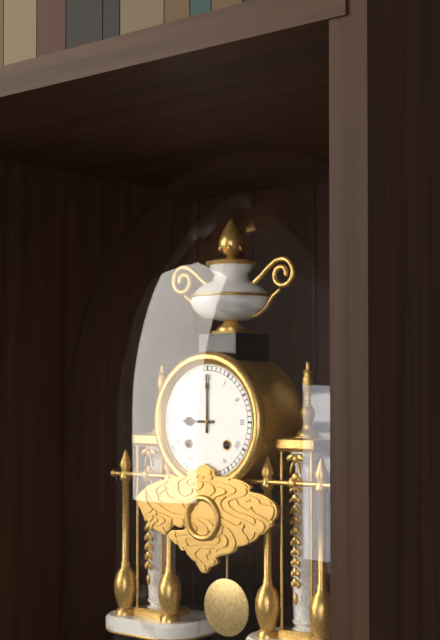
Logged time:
9h00
